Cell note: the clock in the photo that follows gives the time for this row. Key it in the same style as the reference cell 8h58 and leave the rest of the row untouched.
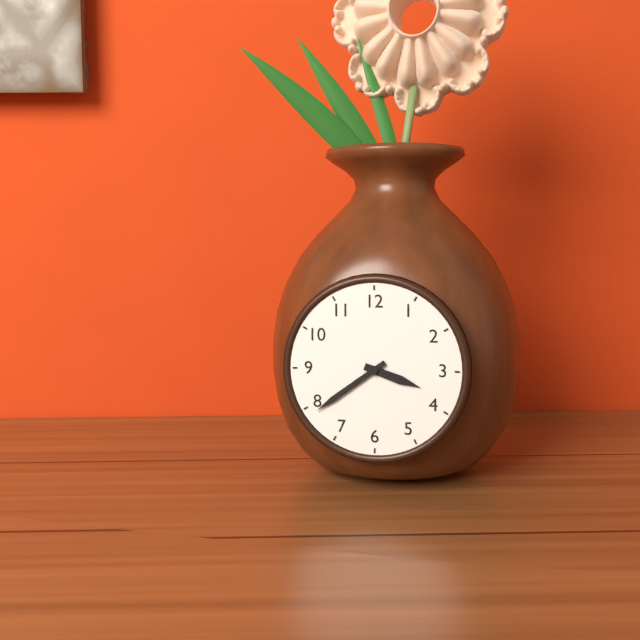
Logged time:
3h39
